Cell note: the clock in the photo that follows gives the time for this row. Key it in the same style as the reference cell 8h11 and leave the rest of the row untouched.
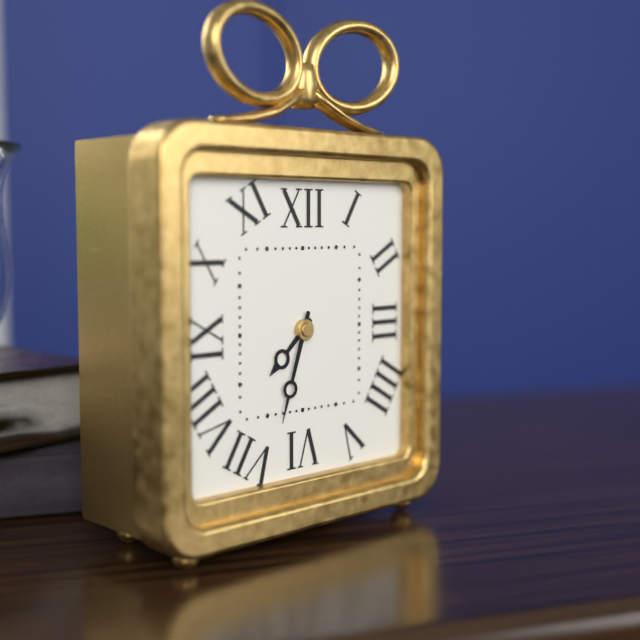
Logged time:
7h33
